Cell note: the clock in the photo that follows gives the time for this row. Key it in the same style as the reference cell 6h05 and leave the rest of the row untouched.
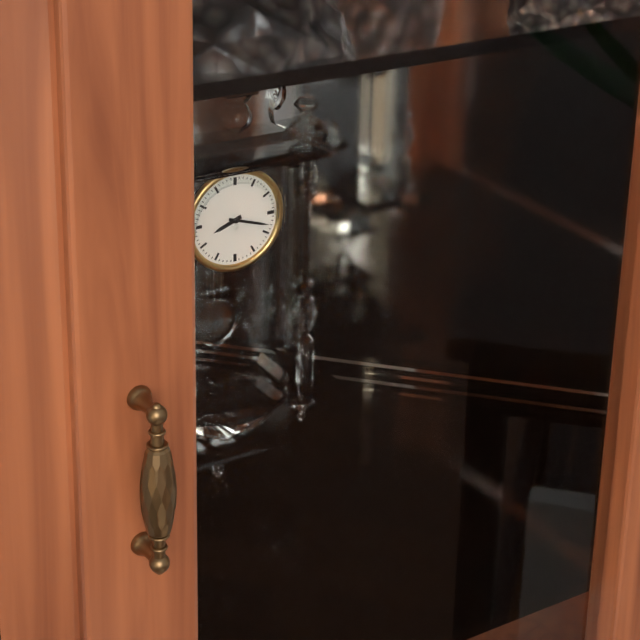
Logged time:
8h18
